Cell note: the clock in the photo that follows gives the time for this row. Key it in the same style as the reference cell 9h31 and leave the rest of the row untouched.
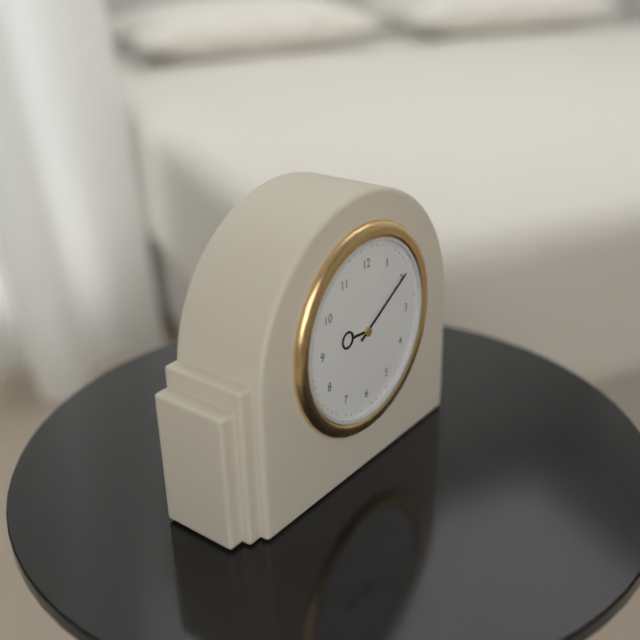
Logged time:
9h10
